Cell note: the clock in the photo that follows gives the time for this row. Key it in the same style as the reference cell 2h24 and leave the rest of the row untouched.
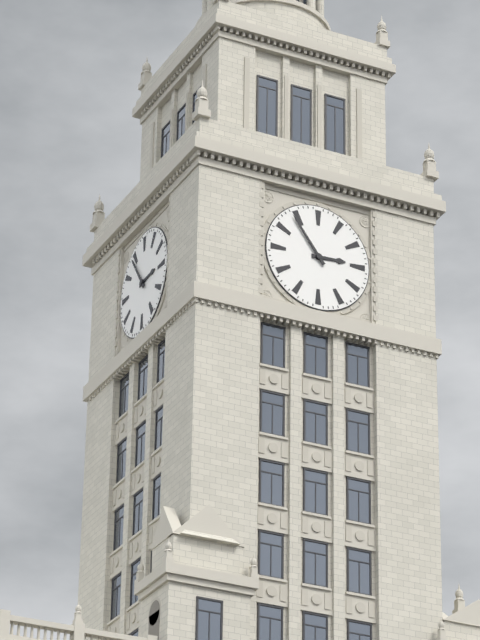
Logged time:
2h54
